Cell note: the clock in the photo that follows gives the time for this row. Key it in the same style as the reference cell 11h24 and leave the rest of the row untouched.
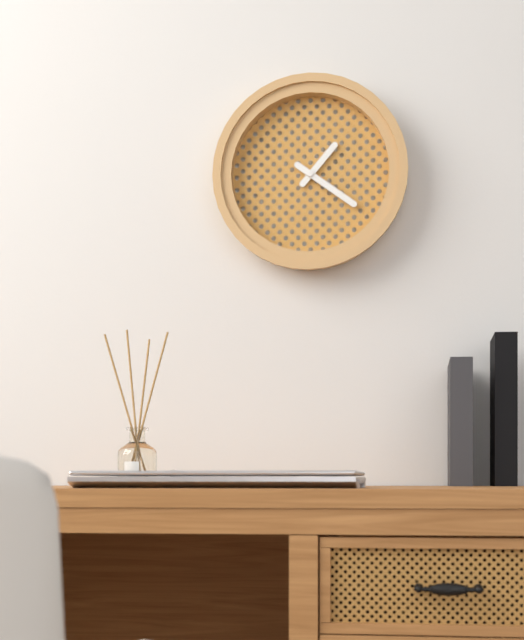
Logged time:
1h21
